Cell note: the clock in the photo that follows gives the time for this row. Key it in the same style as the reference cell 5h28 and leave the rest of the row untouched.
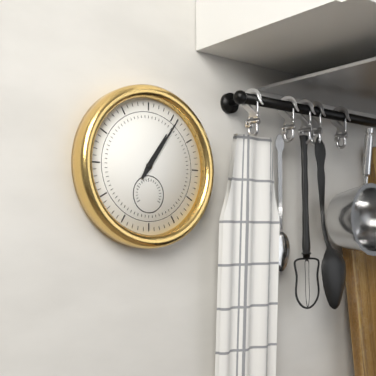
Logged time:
1h06
